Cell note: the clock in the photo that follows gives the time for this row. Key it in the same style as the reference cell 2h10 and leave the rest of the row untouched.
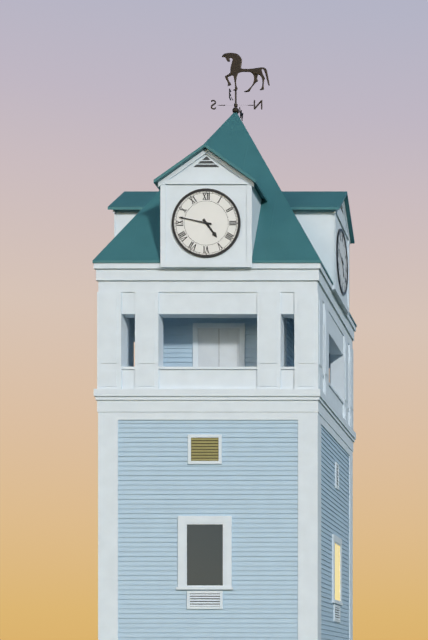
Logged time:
4h47
